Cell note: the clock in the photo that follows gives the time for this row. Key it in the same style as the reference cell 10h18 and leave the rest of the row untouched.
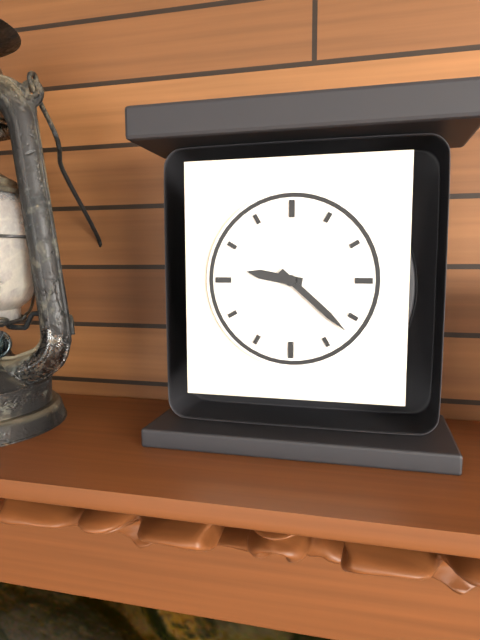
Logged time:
9h22
